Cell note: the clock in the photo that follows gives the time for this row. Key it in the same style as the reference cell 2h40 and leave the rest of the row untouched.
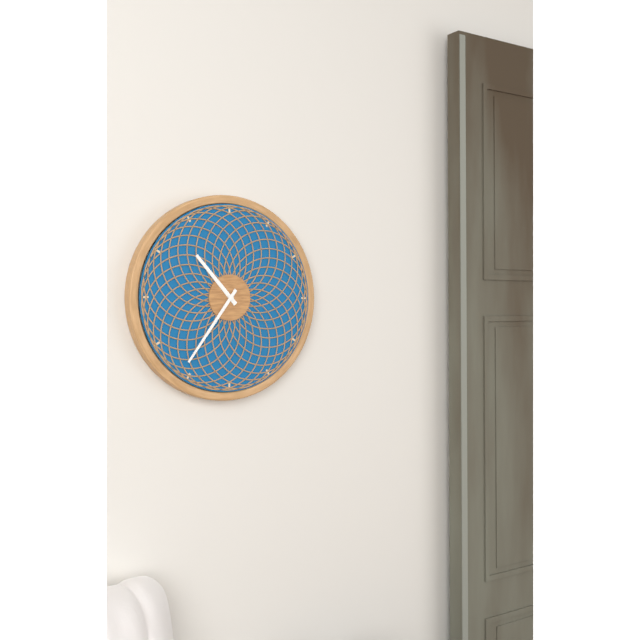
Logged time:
10h36
